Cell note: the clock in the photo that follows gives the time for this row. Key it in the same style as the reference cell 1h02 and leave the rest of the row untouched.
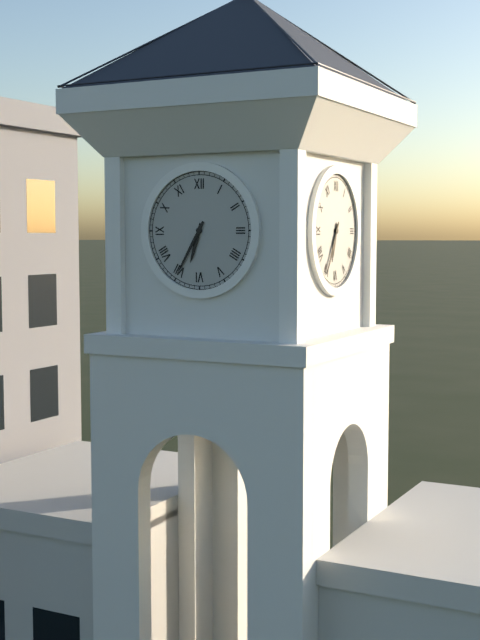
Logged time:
6h35
